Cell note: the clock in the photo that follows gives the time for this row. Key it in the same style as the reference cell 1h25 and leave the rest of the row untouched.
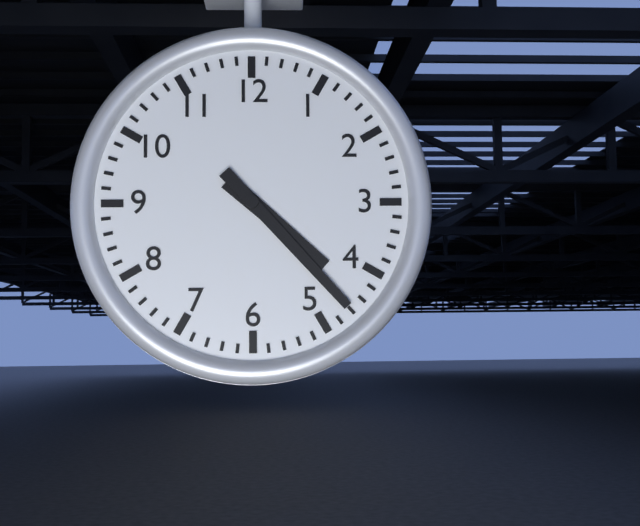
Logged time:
4h23
